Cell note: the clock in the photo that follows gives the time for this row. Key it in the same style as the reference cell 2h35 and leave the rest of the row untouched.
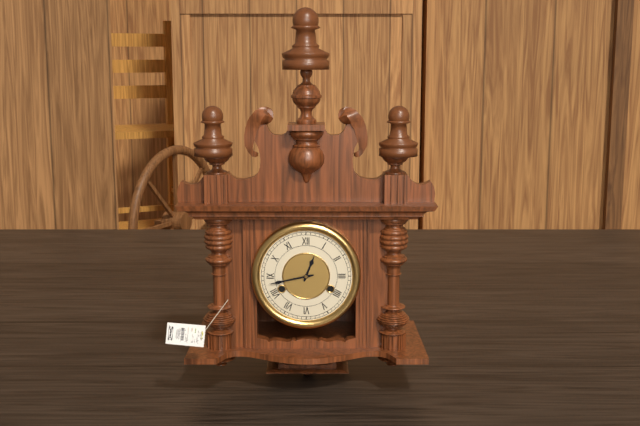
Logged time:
12h43
